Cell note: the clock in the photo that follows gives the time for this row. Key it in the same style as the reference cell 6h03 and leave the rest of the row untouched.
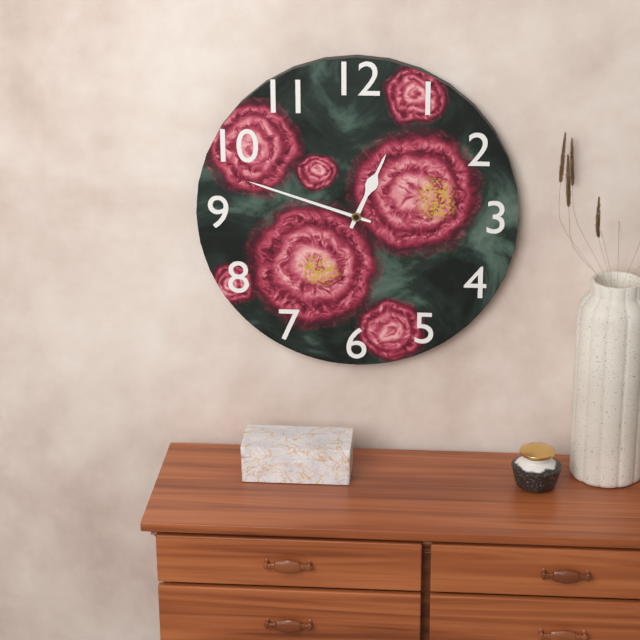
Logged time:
12h48
